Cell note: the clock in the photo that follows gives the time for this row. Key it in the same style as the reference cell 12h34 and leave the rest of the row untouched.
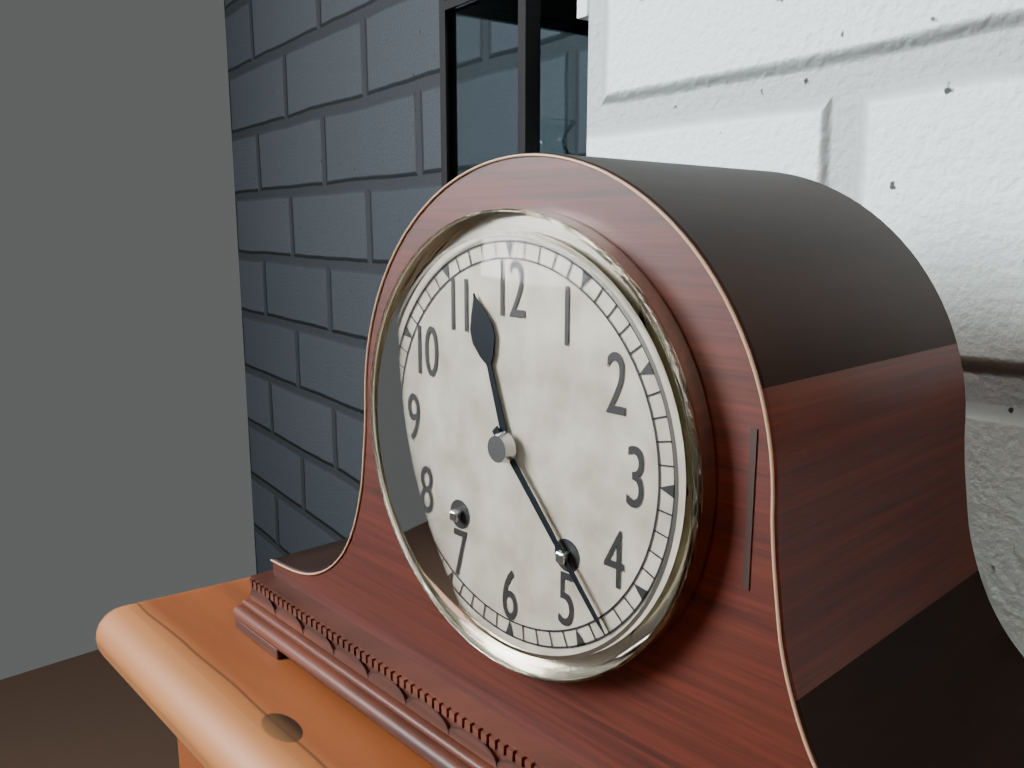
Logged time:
11h23
